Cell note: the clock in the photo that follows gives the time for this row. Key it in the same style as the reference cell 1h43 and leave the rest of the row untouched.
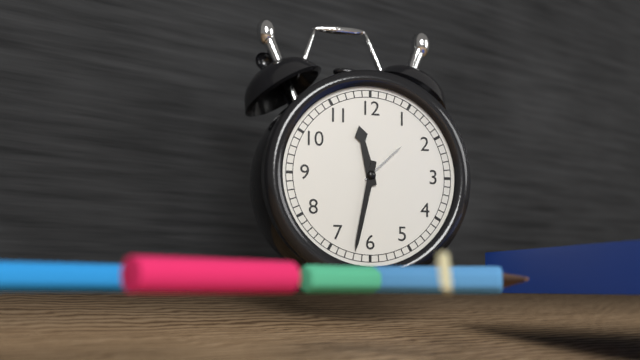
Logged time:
11h32
